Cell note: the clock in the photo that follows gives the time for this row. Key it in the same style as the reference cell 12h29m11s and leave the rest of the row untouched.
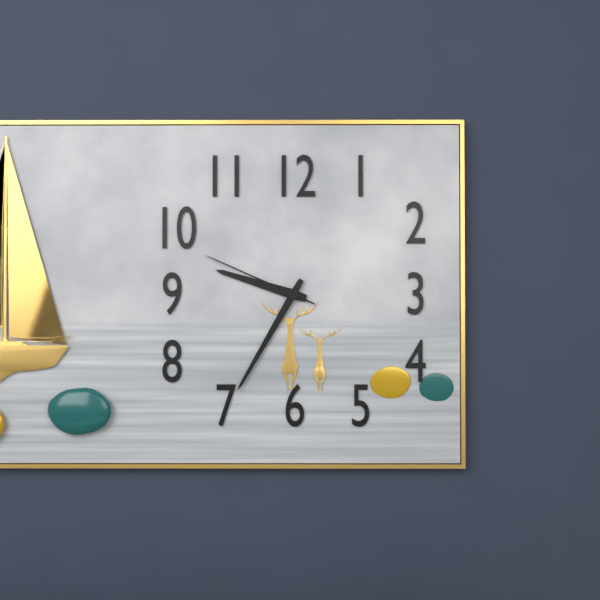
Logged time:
9h35m49s
